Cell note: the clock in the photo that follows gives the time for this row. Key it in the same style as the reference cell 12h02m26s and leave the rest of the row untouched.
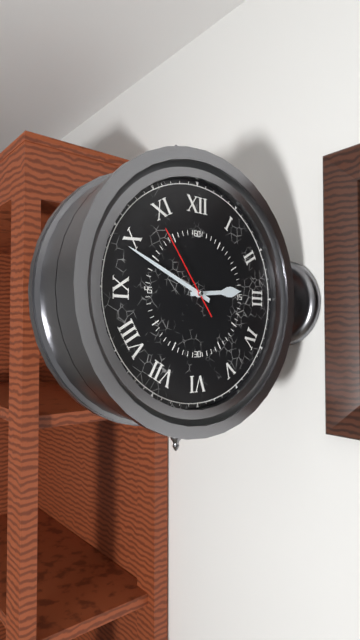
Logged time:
2h49m54s
